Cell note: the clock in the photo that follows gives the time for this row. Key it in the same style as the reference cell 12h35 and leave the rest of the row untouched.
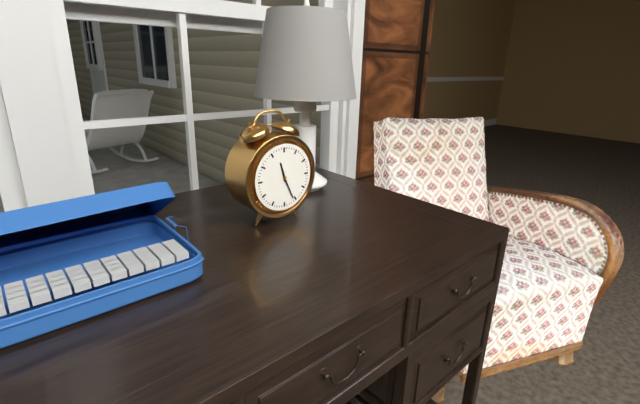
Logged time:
11h26
